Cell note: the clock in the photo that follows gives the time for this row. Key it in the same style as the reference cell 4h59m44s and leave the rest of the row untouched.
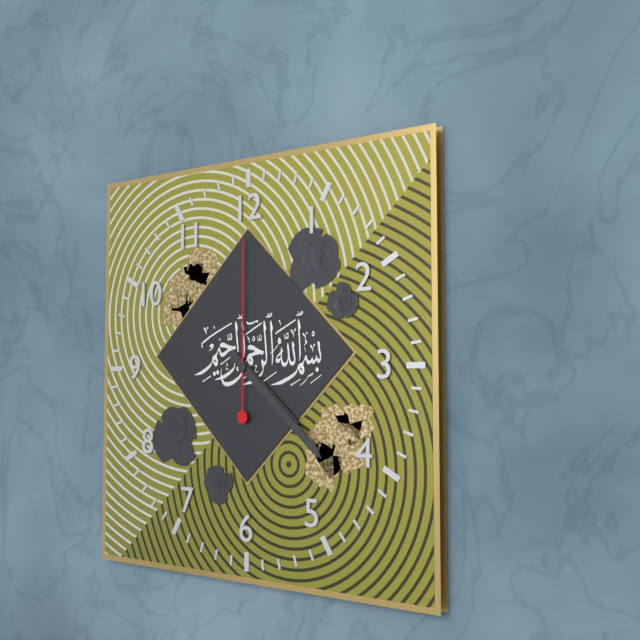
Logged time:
4h22m00s
